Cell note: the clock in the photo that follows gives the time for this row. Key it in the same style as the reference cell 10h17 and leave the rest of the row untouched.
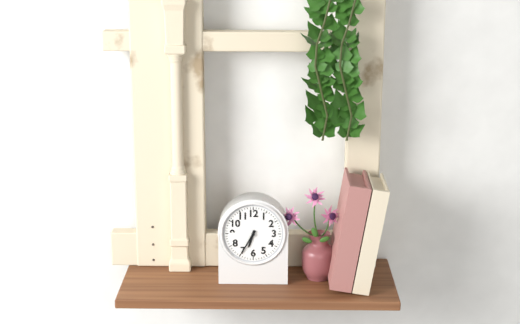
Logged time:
6h35
